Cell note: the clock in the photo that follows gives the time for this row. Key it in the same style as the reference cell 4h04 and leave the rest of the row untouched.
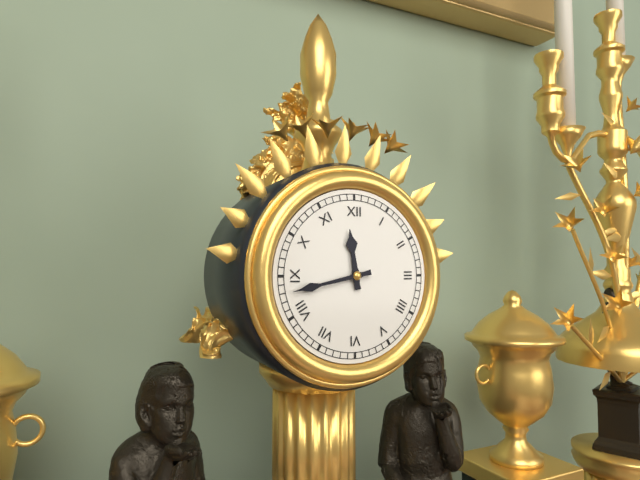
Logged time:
11h43
